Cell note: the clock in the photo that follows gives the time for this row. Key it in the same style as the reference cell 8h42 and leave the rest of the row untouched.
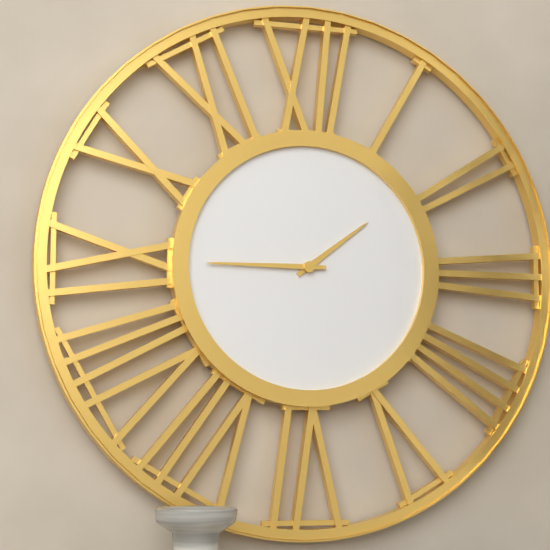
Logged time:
1h45
